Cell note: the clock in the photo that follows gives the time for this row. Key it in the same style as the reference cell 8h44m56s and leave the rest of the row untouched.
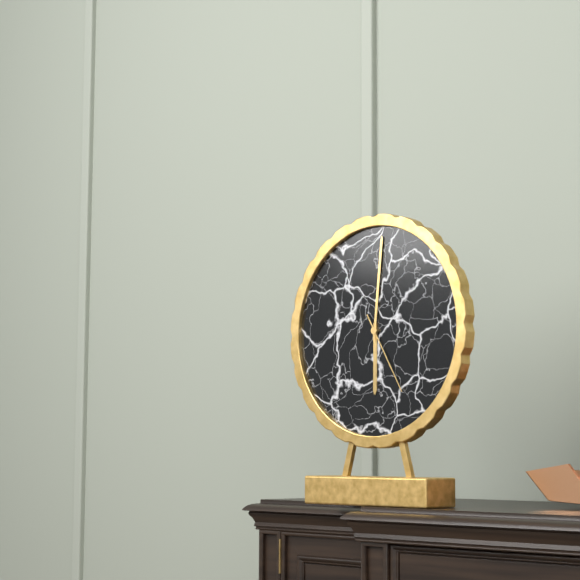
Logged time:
6h01m25s
